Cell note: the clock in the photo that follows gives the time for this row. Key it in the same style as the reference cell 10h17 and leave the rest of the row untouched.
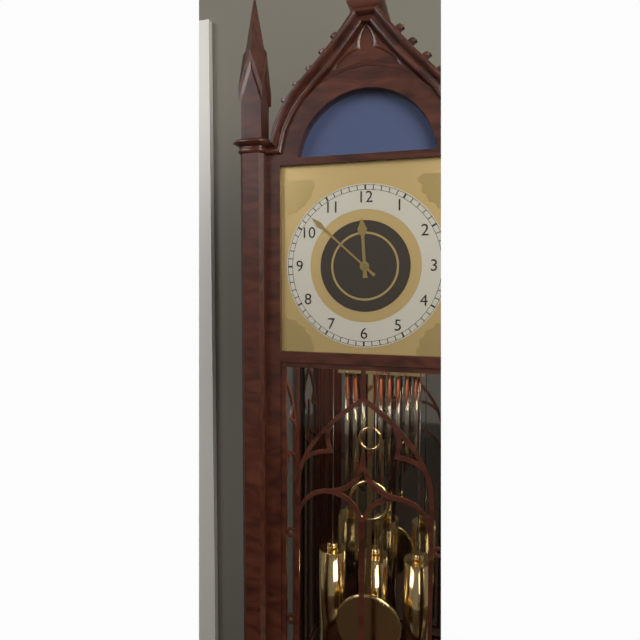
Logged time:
11h52
